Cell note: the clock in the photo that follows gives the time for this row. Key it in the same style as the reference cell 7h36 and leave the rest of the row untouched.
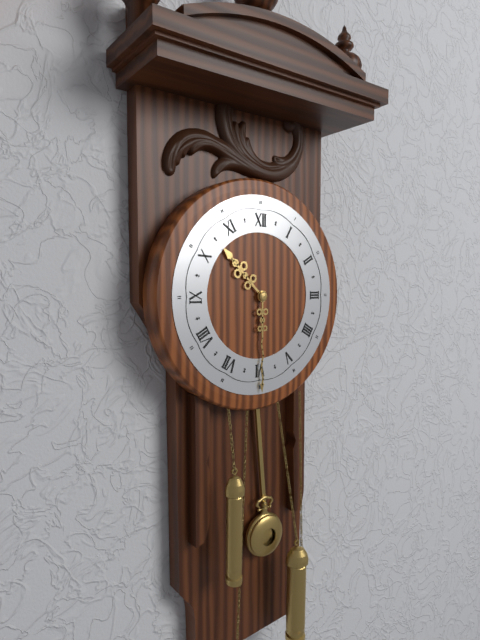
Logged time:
10h30
